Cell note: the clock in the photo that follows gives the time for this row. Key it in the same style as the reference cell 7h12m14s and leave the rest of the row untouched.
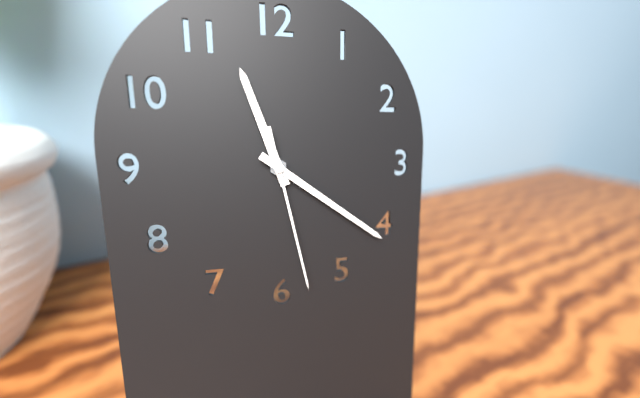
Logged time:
11h21m28s
